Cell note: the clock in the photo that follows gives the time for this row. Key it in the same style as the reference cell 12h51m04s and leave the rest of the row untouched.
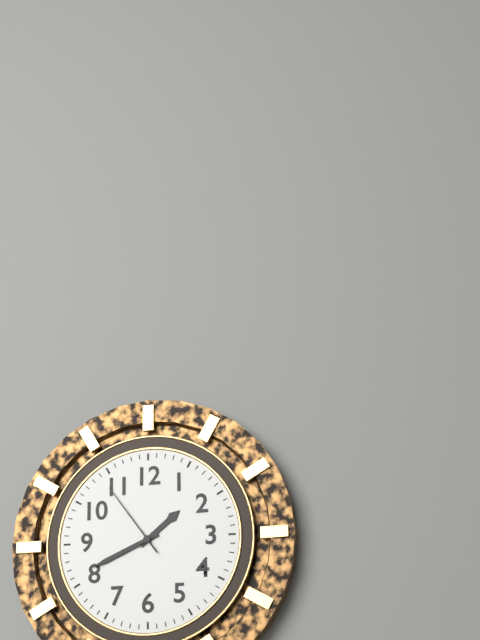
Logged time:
1h41m54s
